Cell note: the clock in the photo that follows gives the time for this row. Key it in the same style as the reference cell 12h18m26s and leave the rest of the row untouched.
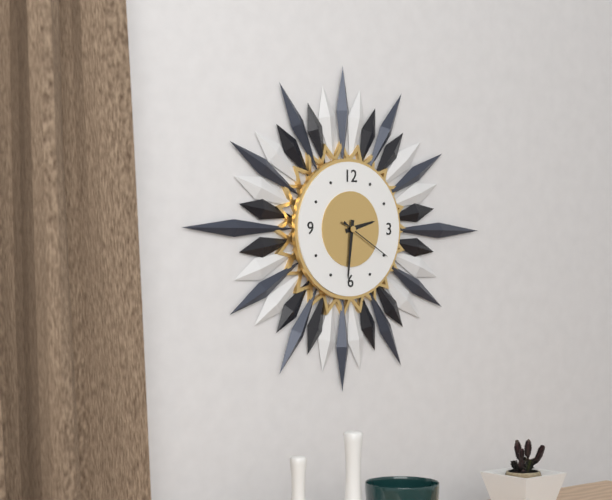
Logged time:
2h31m20s
